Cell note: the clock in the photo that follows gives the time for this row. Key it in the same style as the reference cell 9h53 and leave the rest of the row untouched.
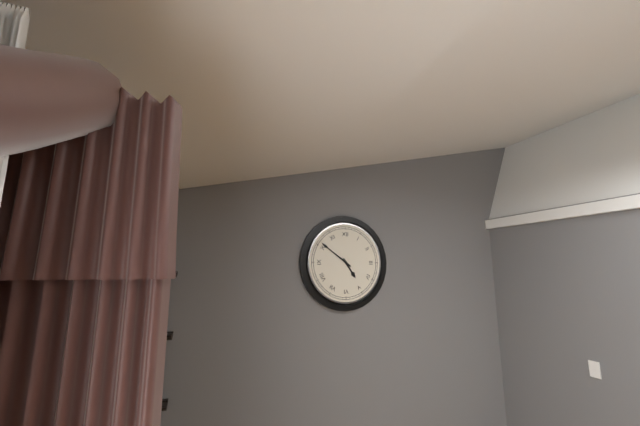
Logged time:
4h51
